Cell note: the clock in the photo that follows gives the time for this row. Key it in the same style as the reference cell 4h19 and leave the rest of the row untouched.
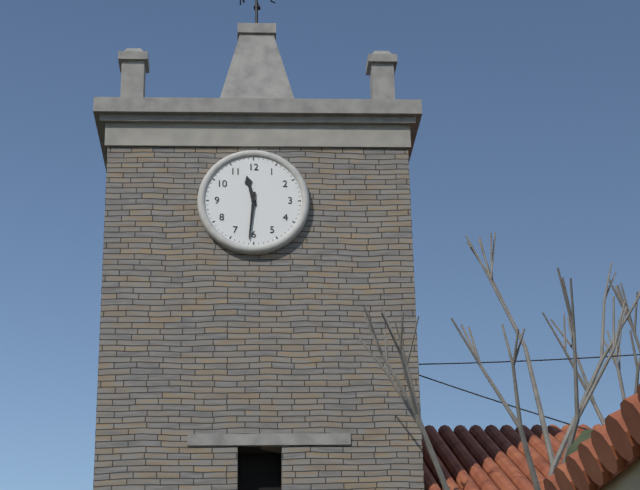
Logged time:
11h31
